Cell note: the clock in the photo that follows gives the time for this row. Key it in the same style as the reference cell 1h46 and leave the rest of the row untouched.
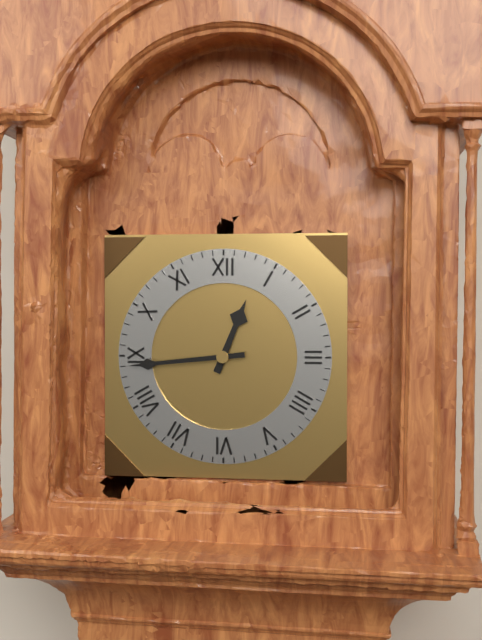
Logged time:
12h44
